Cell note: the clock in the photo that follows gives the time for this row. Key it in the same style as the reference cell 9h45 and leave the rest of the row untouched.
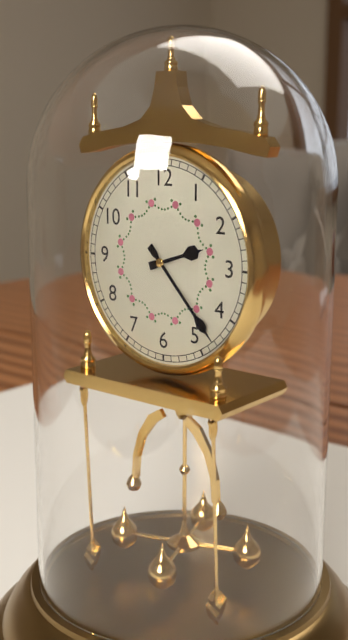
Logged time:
2h23
